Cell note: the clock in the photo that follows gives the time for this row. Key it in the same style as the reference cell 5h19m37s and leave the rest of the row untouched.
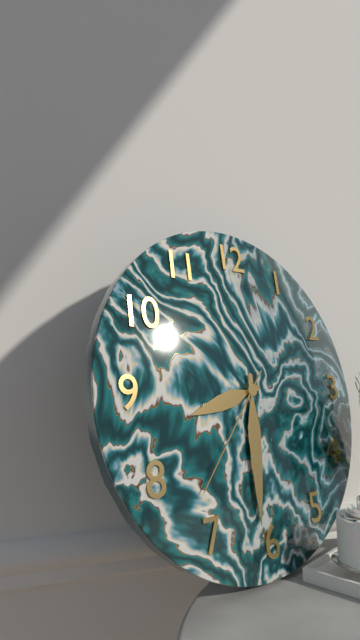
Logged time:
8h31m37s
